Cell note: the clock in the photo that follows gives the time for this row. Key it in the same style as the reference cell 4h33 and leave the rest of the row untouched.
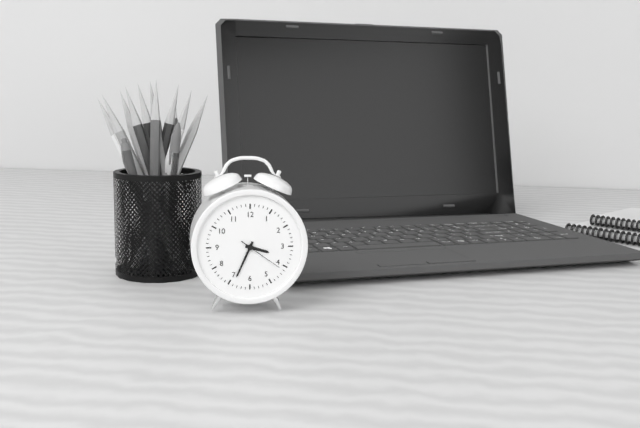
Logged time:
3h34
